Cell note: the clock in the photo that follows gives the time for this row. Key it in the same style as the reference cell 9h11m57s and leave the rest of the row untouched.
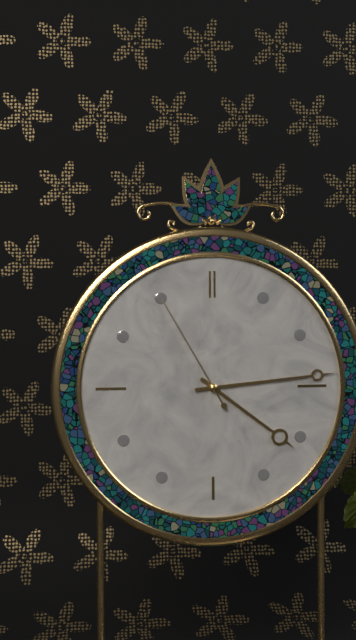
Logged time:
4h14m55s
